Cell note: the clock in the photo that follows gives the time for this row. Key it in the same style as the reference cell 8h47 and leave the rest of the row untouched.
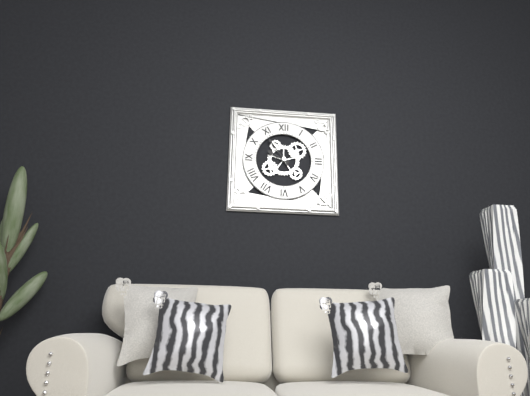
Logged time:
9h54
